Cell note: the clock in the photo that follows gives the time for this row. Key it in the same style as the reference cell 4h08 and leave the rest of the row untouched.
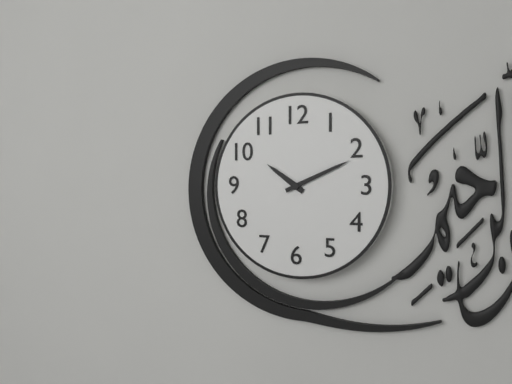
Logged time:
10h11
